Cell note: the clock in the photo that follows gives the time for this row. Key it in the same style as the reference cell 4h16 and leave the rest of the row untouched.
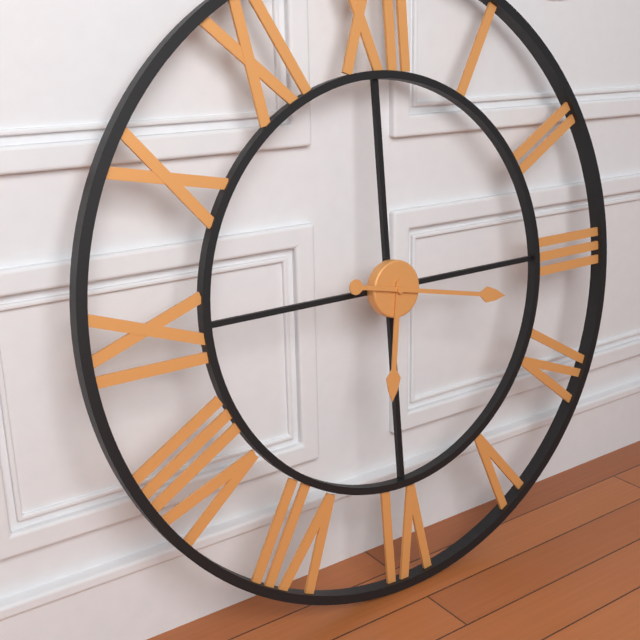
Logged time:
6h17
